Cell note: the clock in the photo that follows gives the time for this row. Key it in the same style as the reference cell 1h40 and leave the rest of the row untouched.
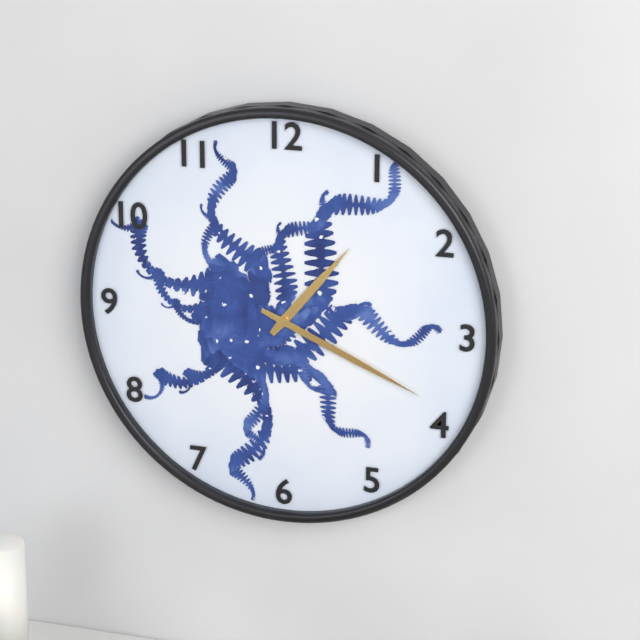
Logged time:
1h19
